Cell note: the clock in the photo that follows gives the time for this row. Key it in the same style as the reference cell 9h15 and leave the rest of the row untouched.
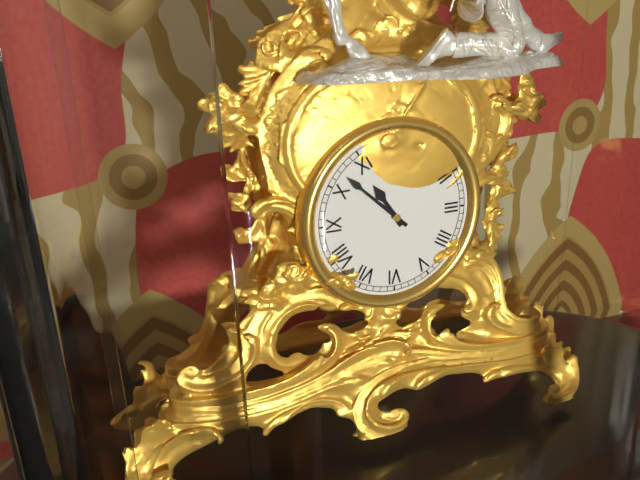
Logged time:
10h52
